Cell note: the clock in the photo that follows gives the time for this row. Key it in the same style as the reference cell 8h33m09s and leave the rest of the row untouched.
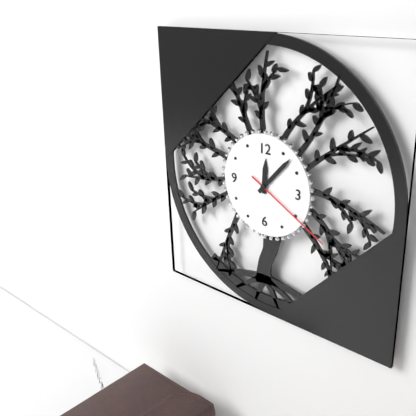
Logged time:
12h07m20s
